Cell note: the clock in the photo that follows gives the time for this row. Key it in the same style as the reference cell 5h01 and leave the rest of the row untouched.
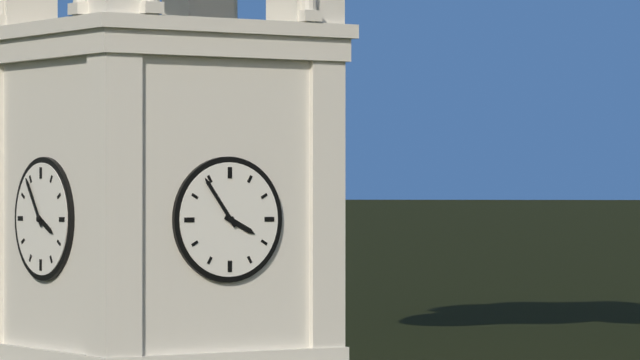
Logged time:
3h54
